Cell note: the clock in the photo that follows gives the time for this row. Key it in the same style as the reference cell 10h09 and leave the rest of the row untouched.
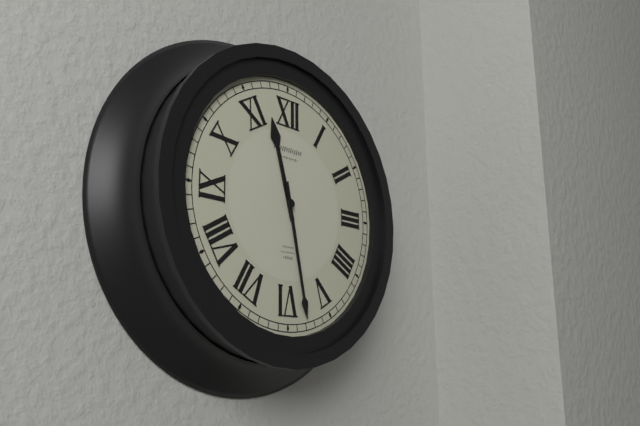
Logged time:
11h28
